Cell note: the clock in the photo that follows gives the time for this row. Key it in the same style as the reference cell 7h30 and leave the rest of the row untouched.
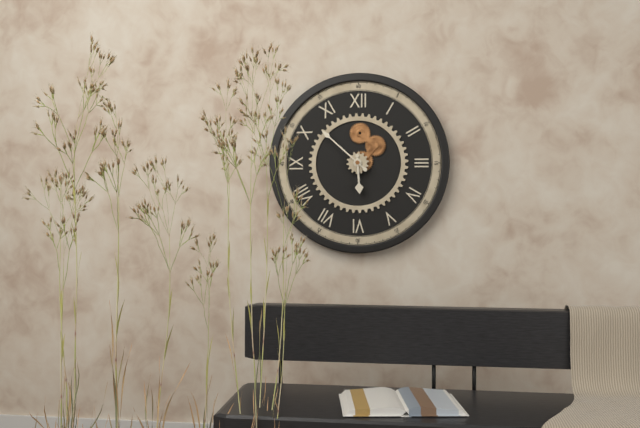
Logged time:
5h52
